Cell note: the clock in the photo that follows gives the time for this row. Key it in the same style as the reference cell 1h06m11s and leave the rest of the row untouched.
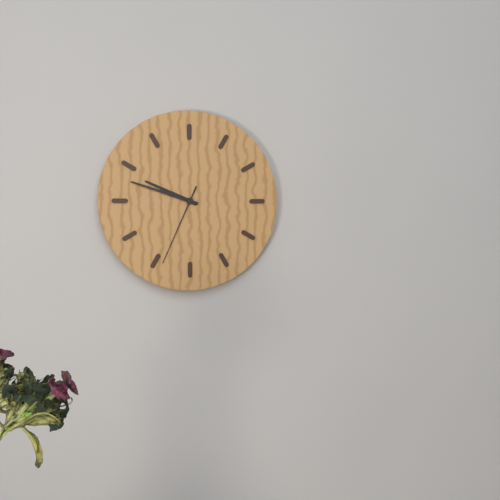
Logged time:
9h48m34s
